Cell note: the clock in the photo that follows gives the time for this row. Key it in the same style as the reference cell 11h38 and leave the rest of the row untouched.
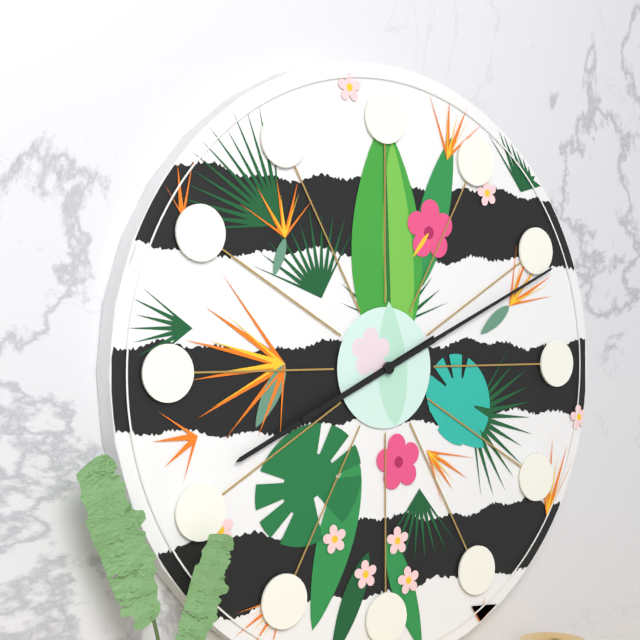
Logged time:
8h11
